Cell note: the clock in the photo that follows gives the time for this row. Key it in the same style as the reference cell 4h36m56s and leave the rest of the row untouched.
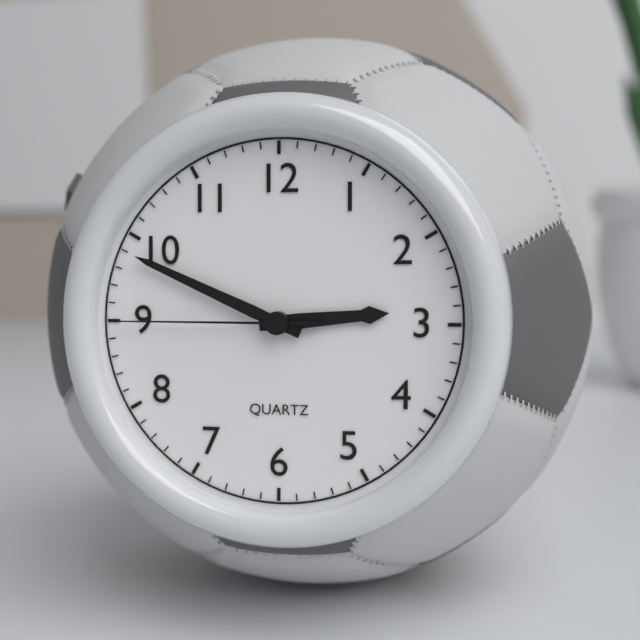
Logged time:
2h49m45s
